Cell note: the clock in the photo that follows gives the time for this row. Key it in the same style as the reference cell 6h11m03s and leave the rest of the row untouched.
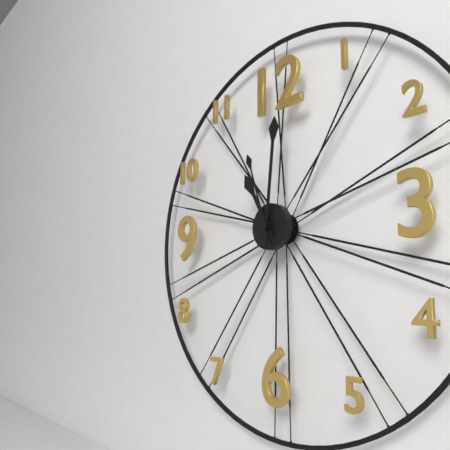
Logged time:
11h01m57s
